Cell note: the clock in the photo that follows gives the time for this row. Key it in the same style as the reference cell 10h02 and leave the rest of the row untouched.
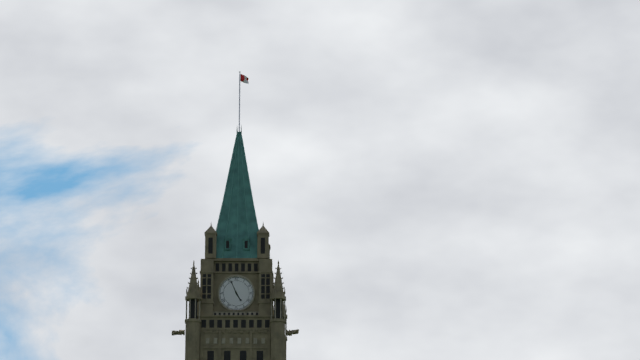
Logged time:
4h56
